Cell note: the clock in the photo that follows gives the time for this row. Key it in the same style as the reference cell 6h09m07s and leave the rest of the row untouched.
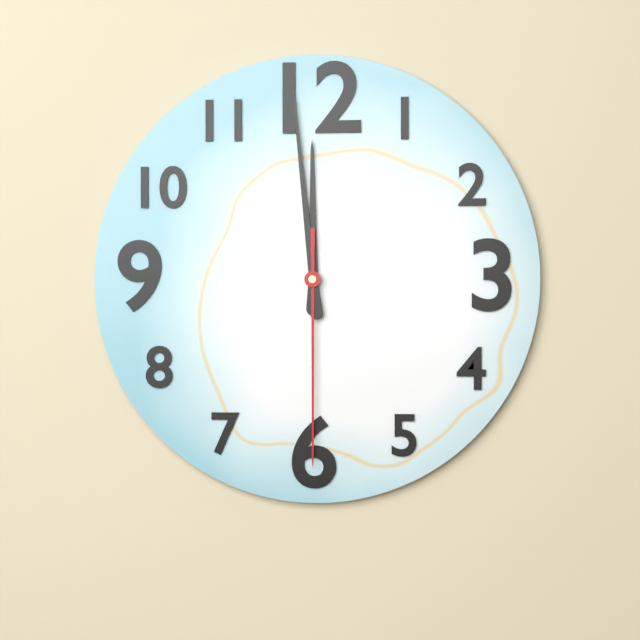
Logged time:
11h59m30s
